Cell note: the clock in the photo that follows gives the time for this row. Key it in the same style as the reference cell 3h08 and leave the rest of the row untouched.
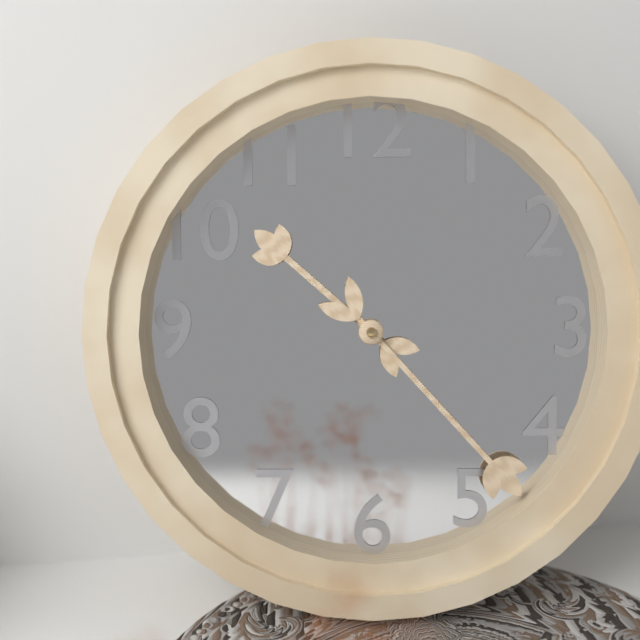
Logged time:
10h23
